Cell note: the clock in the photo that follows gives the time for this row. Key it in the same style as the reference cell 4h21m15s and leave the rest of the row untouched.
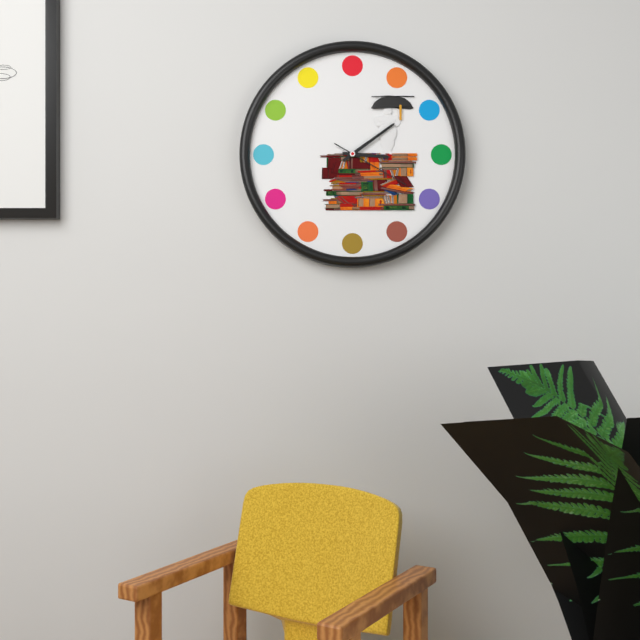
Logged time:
3h09m20s
